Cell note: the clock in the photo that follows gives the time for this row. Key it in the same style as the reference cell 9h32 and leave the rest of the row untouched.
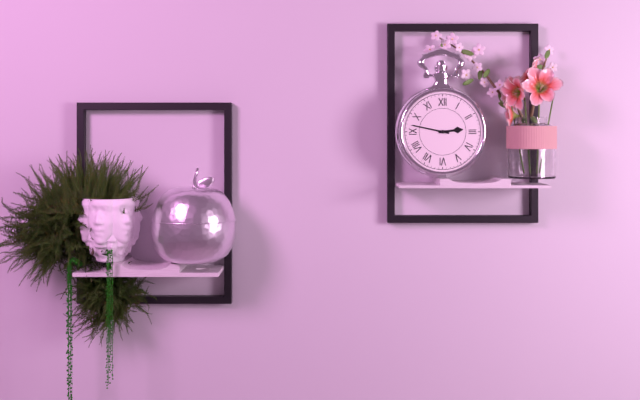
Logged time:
2h47
